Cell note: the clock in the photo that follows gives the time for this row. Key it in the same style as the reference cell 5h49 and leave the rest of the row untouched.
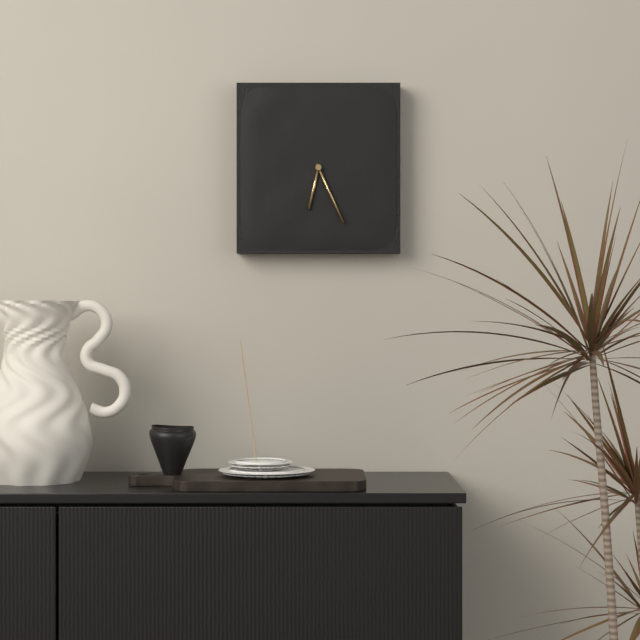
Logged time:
6h26
